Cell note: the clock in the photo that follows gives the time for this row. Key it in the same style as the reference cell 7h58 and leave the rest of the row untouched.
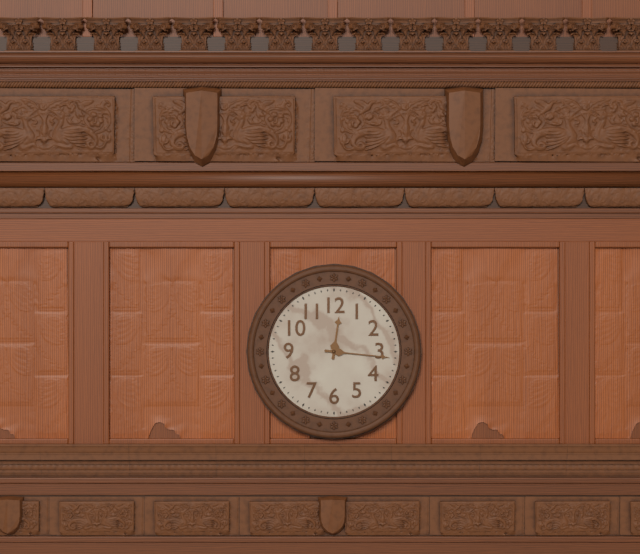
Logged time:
12h16
